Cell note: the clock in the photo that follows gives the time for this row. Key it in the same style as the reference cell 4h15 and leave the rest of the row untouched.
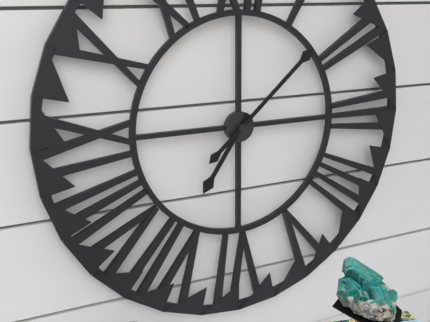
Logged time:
7h08
